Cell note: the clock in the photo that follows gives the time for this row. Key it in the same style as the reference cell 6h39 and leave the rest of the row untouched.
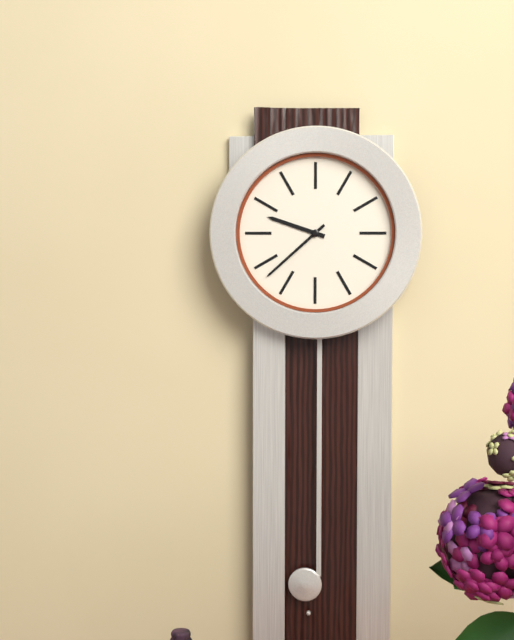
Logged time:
9h38
